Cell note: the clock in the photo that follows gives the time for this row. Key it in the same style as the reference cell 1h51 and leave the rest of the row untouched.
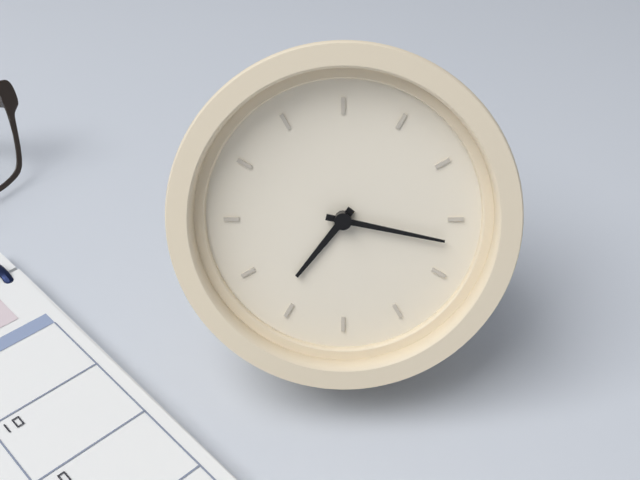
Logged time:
7h17
